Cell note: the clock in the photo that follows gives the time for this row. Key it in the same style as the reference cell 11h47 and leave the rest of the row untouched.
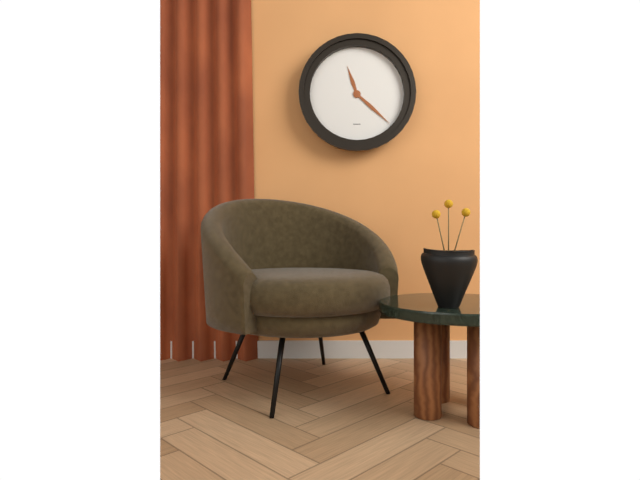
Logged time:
11h22
